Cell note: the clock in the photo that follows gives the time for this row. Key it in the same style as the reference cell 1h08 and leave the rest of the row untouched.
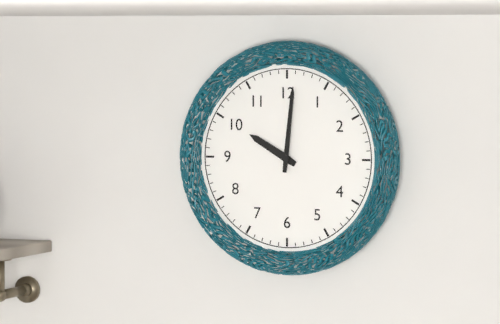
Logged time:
10h01
